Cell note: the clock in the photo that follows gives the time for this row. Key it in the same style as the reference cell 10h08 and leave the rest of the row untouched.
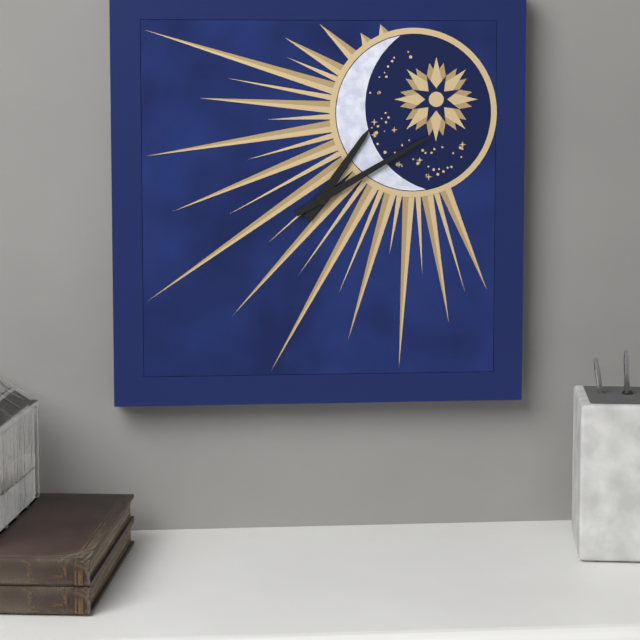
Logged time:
1h10
